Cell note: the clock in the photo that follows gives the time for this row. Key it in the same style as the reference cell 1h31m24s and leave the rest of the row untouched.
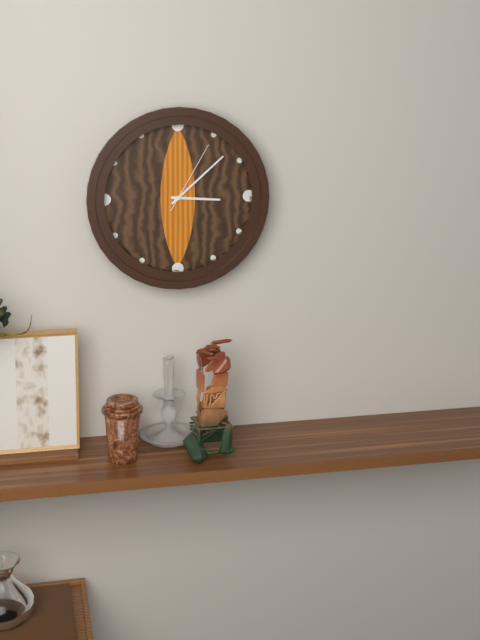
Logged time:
3h08m05s
